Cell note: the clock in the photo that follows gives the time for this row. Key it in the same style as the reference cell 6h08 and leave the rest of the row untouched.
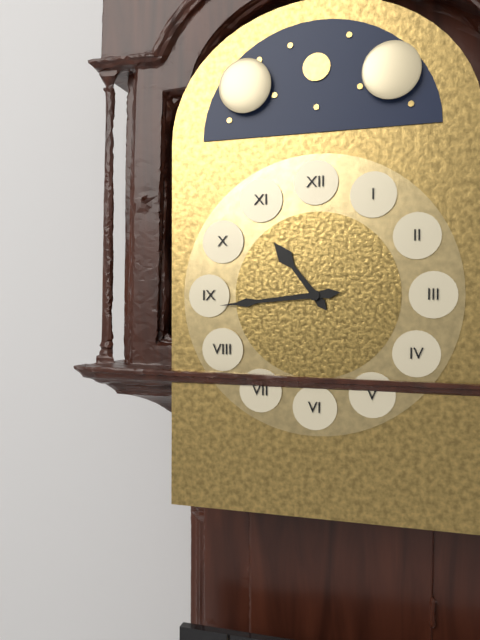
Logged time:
10h44
